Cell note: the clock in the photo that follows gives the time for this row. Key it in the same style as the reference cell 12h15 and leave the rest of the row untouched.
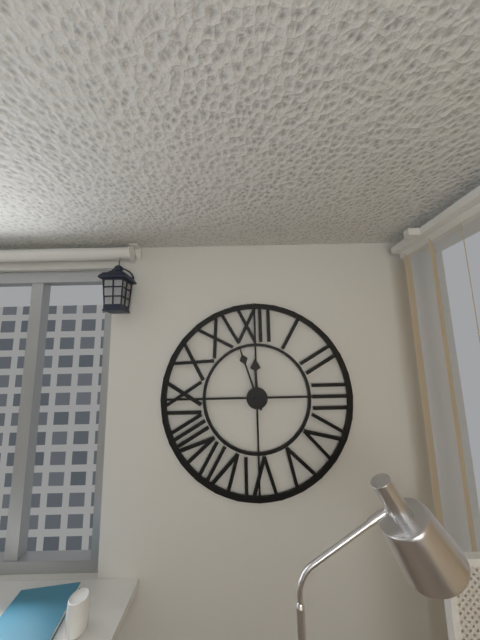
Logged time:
11h57
